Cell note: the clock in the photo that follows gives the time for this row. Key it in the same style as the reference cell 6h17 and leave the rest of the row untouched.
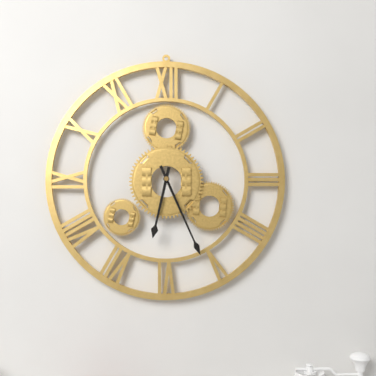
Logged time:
6h26
